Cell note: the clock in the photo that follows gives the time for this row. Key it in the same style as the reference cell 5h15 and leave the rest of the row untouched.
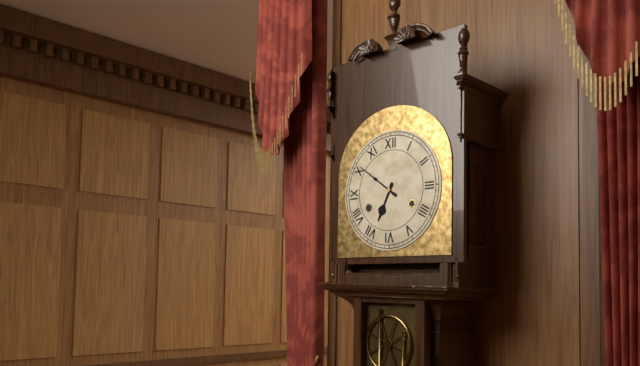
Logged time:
6h51
